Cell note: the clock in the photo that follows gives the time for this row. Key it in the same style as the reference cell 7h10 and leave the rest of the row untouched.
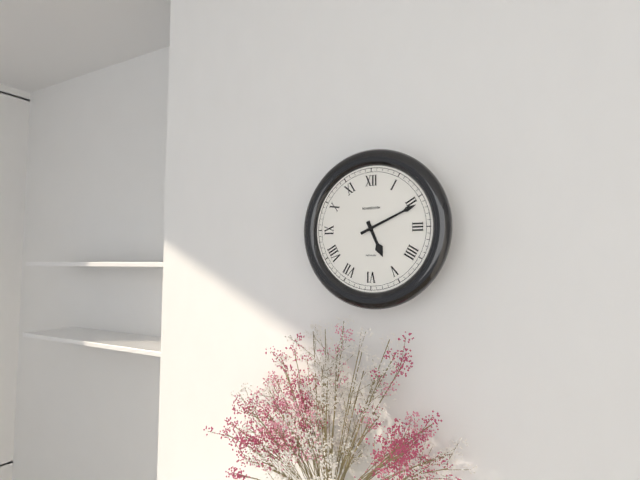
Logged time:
5h11
